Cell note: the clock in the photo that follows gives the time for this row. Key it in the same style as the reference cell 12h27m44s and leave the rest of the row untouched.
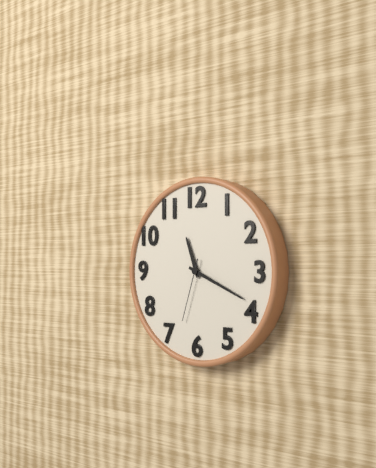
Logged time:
11h19m33s
